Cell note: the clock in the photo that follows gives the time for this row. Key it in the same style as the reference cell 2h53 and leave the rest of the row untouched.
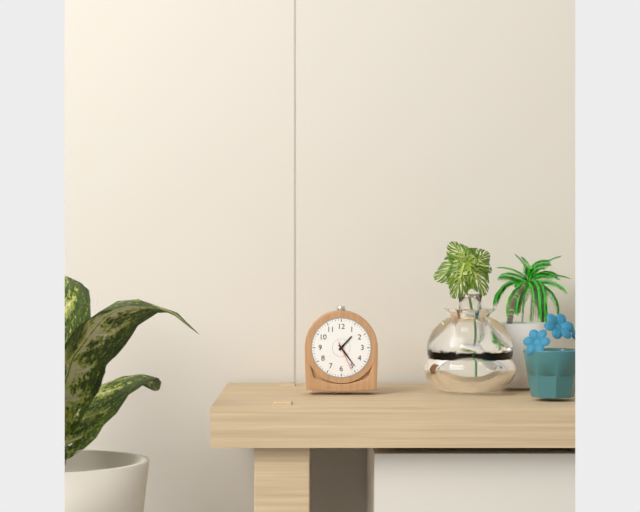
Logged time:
1h24
